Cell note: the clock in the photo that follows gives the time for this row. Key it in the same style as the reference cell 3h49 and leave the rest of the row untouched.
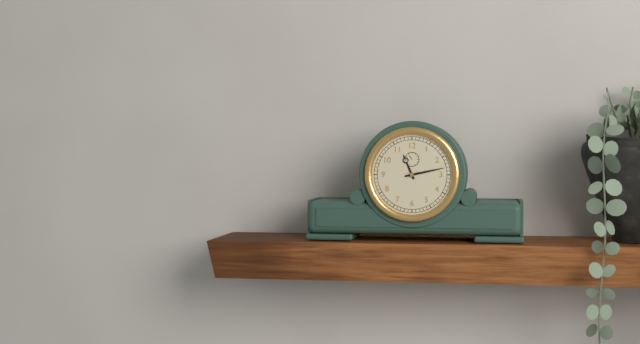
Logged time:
11h13
